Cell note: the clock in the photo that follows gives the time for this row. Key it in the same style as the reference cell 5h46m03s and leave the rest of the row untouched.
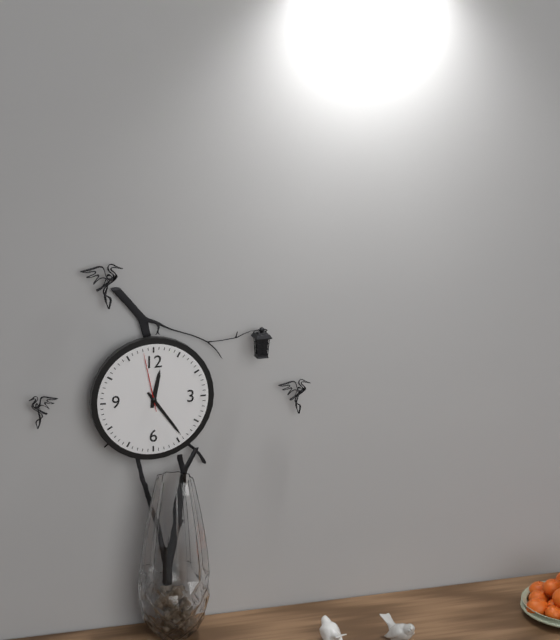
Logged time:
12h24m58s
